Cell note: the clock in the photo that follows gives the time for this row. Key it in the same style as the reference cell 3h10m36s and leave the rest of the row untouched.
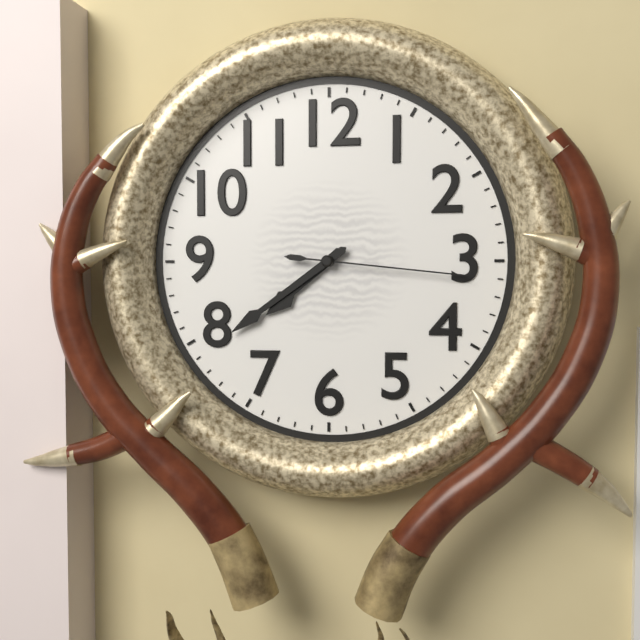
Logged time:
7h39m16s
